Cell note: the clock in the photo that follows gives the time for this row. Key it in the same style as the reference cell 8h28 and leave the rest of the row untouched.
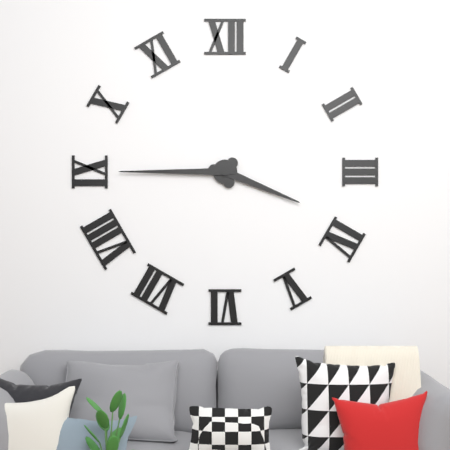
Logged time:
3h45
